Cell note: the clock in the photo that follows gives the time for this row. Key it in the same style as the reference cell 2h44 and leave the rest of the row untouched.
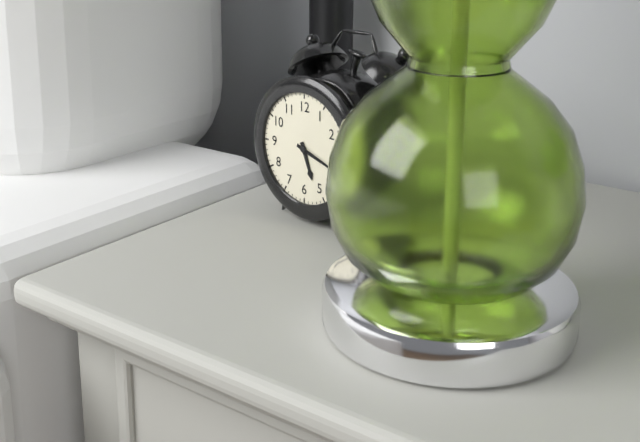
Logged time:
5h18
